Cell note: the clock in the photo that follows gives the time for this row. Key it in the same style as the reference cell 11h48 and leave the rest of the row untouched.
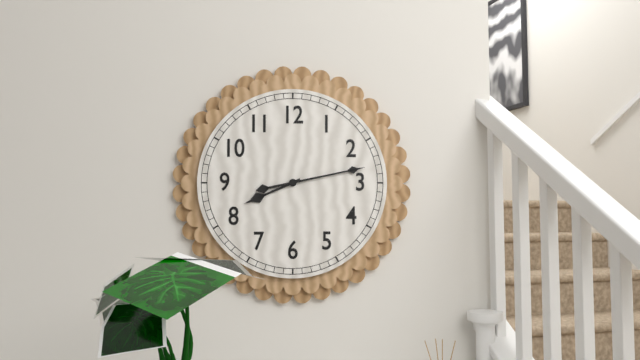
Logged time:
8h13
